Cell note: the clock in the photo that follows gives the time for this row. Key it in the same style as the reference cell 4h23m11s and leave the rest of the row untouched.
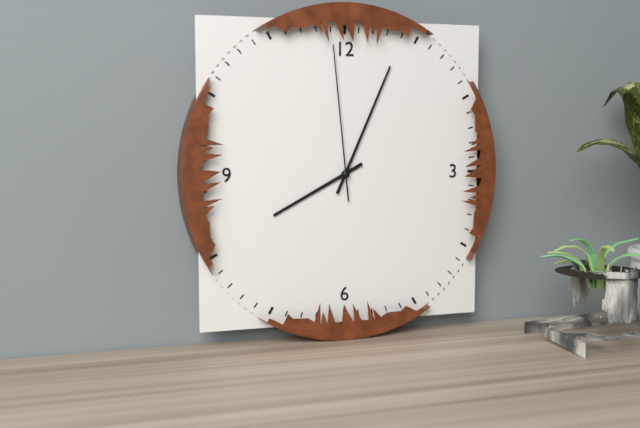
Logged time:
8h04m59s
